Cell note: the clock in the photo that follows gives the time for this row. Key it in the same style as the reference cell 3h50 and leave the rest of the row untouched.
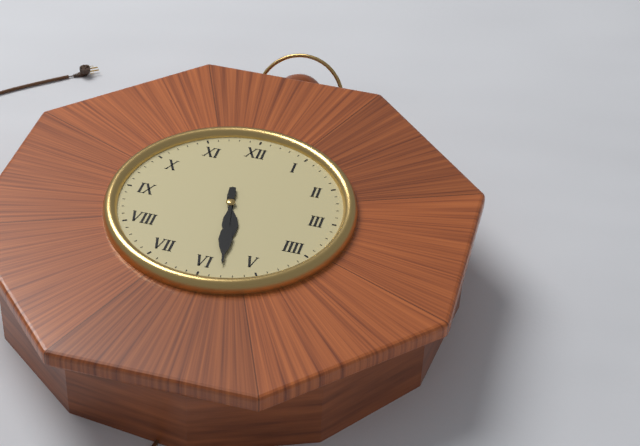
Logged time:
5h28
